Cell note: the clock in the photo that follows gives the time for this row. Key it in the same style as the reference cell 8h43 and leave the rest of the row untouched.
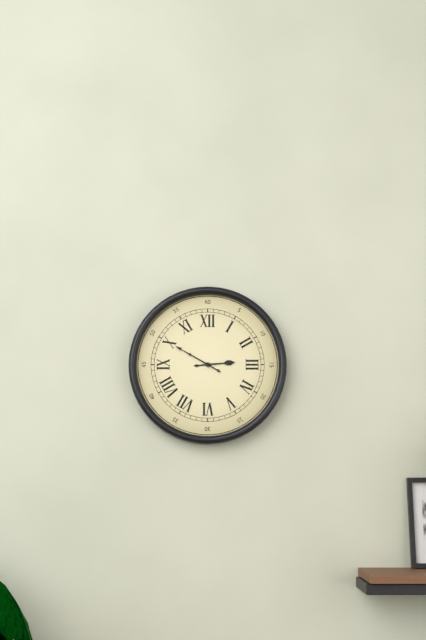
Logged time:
2h50
